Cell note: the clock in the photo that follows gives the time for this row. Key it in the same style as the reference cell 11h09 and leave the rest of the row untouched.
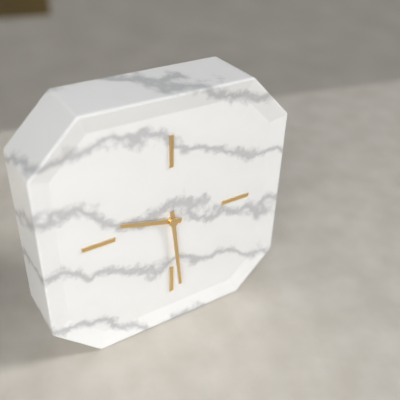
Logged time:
9h29
